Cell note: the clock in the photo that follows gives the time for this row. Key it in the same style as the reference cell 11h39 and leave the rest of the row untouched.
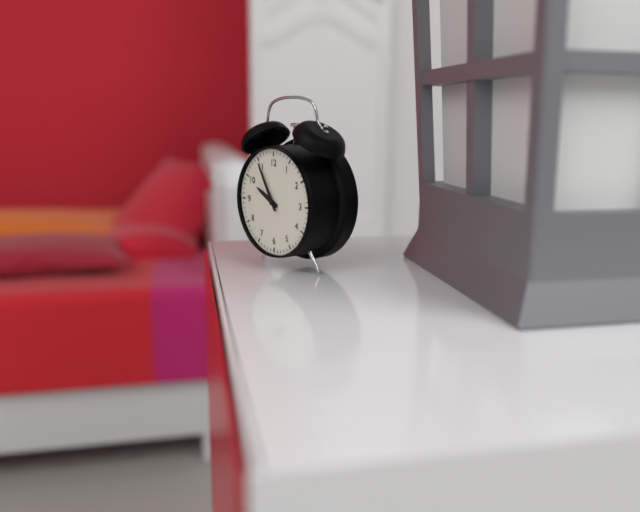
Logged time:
9h55
